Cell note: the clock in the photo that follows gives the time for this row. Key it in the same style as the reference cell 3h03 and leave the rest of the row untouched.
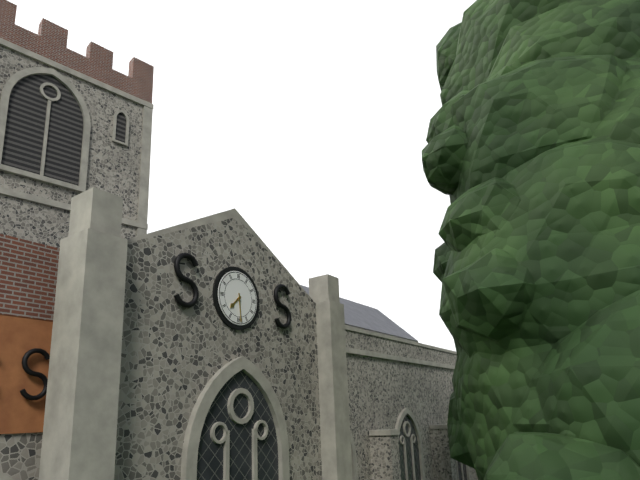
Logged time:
7h29
